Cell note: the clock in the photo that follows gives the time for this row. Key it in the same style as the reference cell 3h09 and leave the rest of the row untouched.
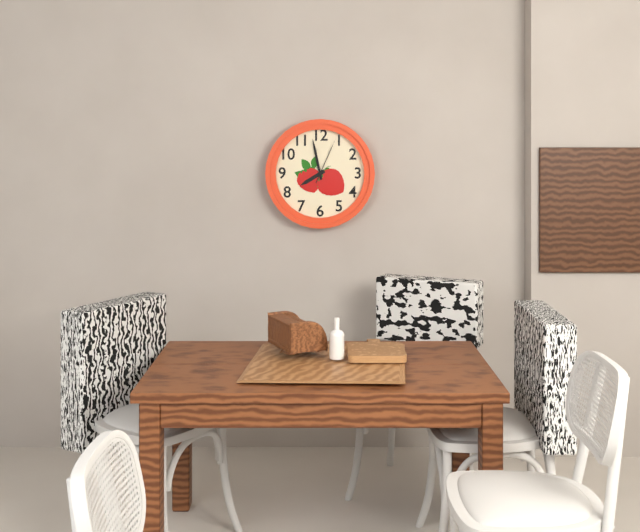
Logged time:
7h58
